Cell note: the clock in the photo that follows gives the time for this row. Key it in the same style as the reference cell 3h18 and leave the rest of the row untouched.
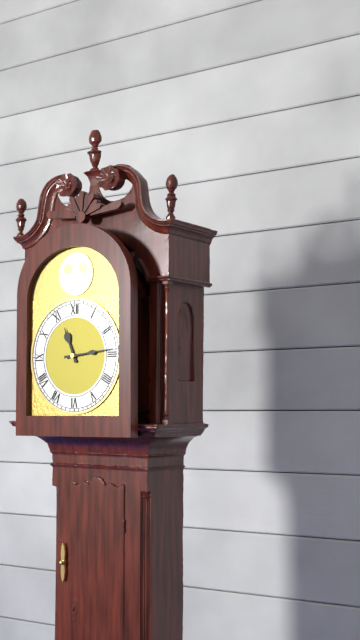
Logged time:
11h14
